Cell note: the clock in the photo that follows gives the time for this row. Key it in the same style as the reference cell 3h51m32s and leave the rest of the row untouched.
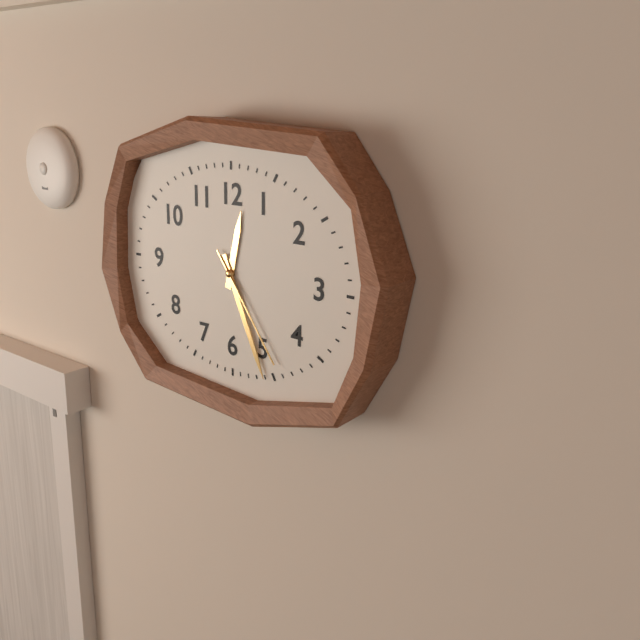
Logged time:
12h26m24s
